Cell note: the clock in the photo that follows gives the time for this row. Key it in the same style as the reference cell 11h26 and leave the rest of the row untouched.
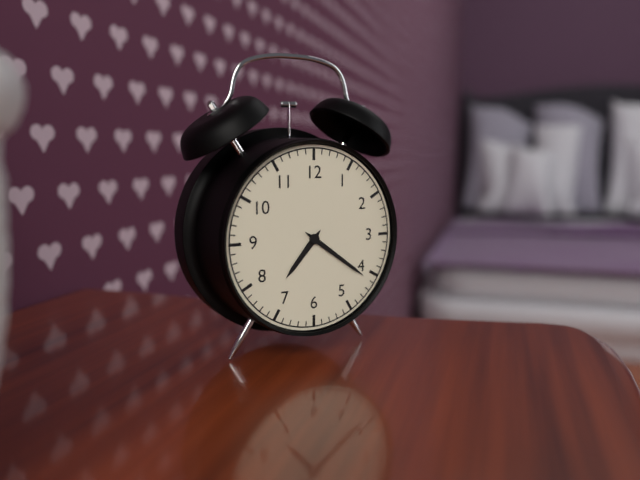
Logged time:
7h21
